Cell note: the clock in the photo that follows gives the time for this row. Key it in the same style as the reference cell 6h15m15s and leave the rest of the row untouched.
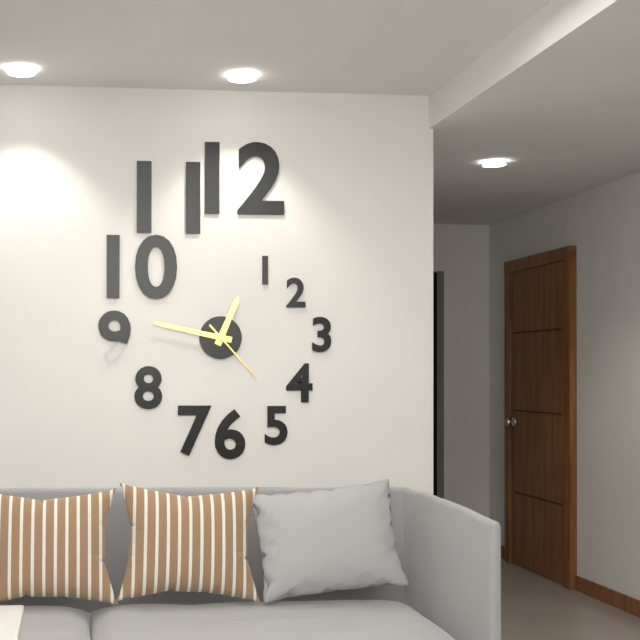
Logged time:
12h47m23s
